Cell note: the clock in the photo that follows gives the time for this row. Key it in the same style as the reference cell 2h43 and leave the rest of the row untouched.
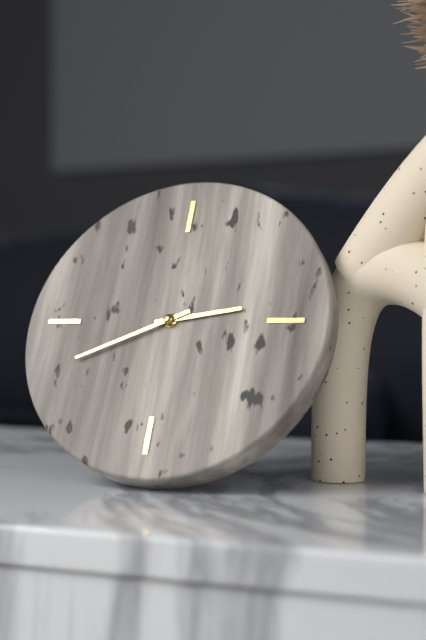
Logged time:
2h41
